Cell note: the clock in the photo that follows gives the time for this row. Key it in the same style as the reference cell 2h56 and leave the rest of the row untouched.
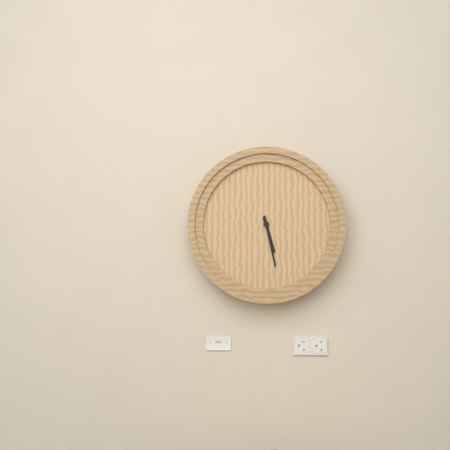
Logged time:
5h28
